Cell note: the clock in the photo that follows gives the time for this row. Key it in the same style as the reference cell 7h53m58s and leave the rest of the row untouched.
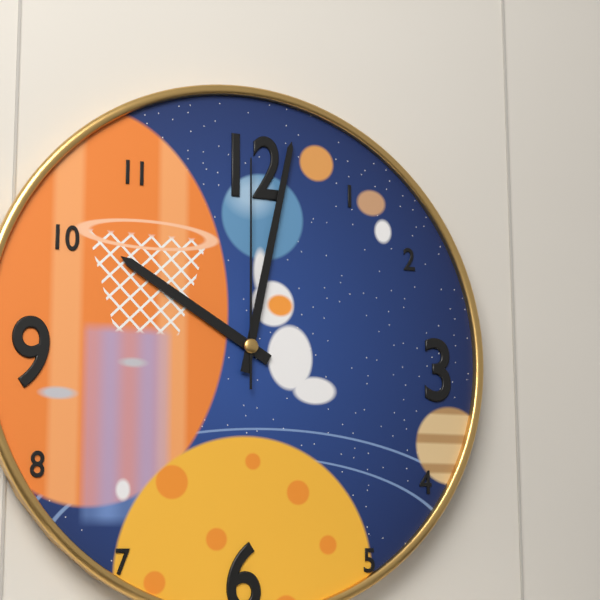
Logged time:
10h02m00s
